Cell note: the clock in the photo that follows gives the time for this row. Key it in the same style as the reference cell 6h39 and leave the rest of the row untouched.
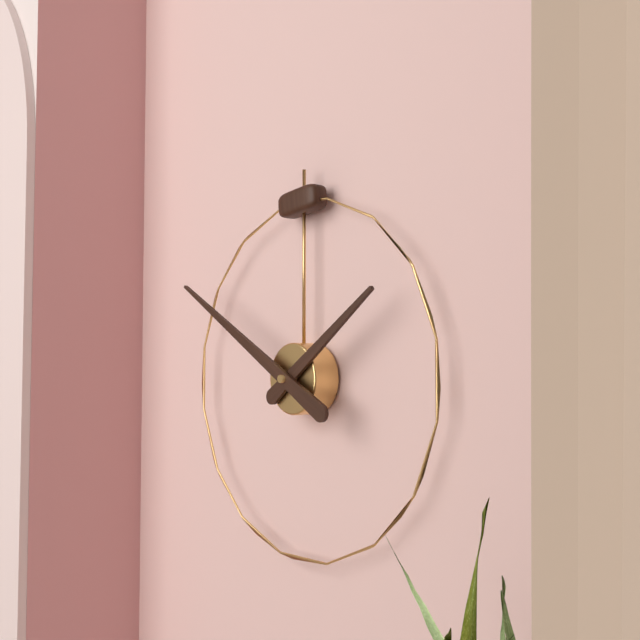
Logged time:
1h50
